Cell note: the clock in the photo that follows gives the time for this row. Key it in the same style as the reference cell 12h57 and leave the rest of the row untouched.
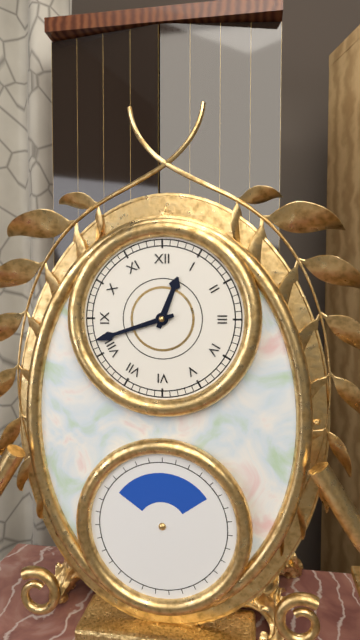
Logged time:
12h42
